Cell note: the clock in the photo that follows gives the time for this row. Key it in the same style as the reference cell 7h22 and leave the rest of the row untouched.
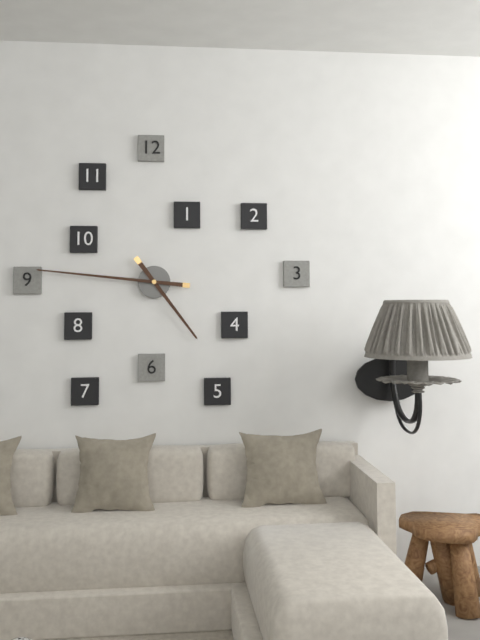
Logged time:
4h46
